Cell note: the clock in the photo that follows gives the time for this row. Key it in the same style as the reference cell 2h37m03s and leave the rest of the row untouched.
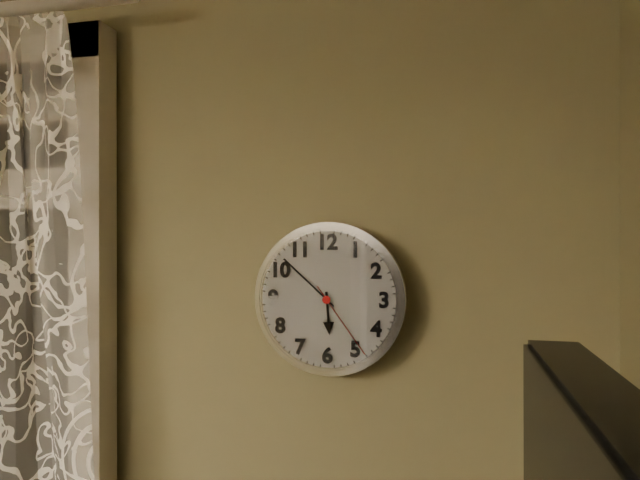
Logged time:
5h52m24s
